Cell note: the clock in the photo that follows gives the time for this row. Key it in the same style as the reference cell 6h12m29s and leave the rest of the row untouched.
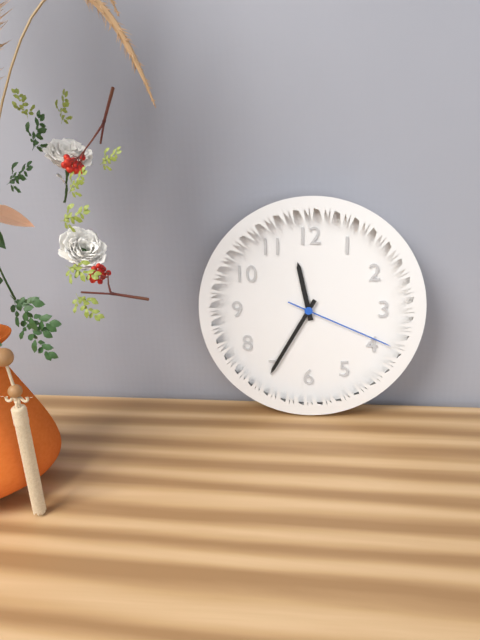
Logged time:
11h35m19s
